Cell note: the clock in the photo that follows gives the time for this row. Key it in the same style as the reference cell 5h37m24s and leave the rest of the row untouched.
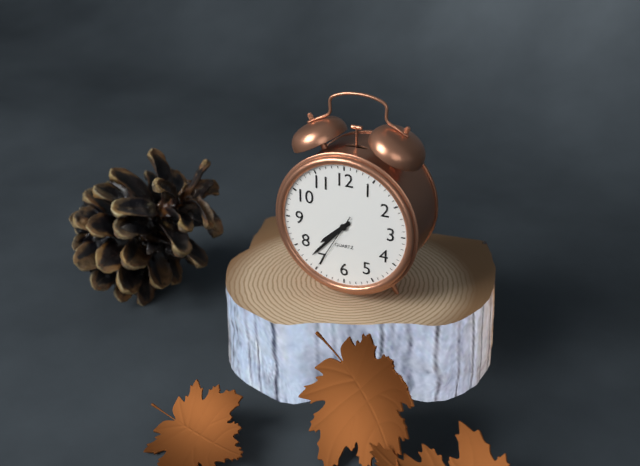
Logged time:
7h37m35s
